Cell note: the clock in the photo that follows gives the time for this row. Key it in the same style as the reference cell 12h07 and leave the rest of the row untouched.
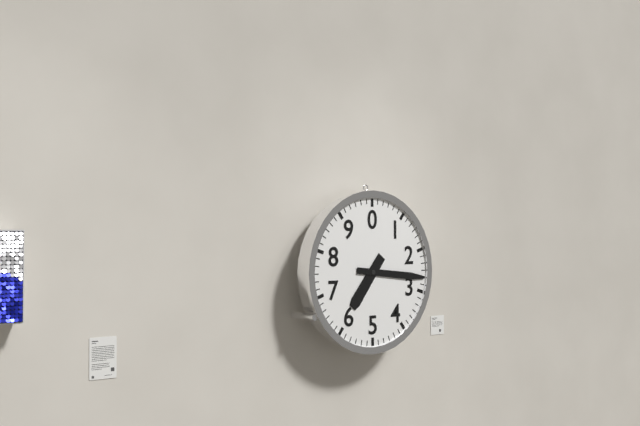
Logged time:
7h16
